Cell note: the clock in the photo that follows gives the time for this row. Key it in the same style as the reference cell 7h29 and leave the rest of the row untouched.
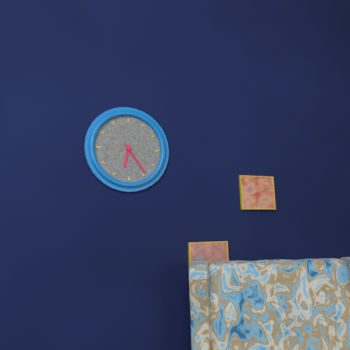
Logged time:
6h24
